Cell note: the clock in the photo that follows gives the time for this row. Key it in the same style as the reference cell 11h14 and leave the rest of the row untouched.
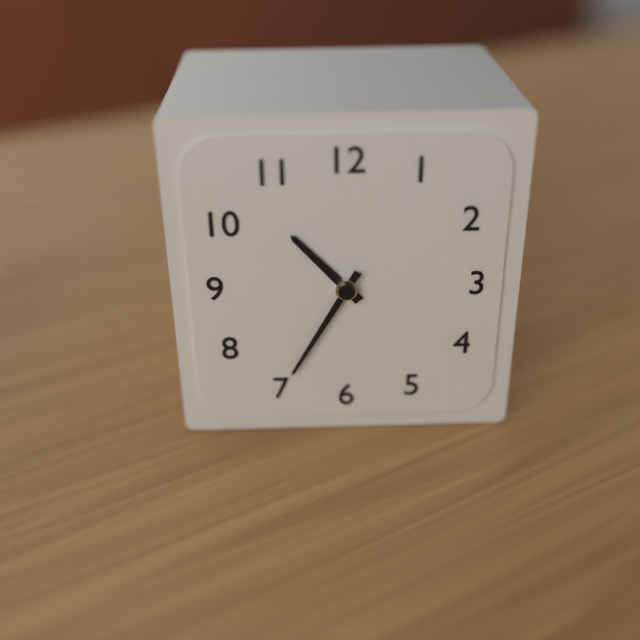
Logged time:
10h35
